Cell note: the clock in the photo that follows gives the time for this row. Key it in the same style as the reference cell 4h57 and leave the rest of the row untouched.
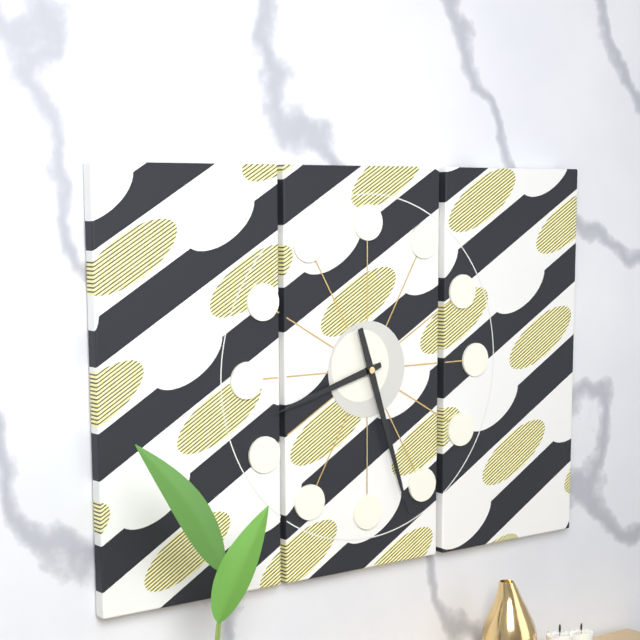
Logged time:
8h27
